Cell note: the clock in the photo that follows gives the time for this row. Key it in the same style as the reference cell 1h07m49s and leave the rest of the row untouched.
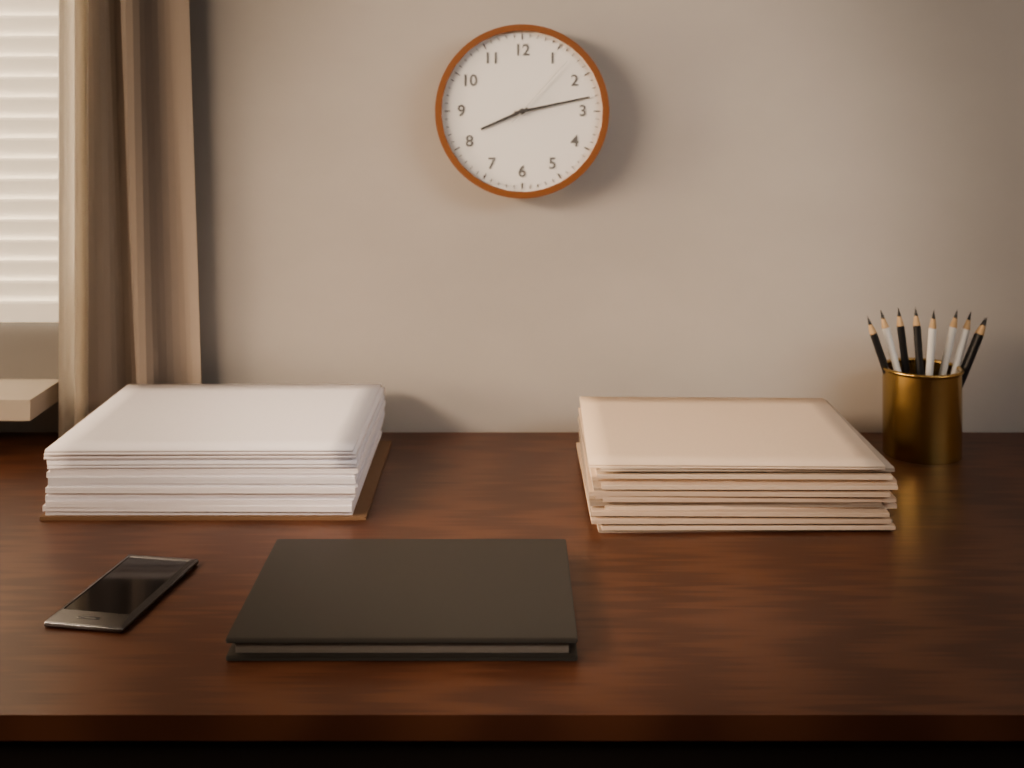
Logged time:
8h13m07s
